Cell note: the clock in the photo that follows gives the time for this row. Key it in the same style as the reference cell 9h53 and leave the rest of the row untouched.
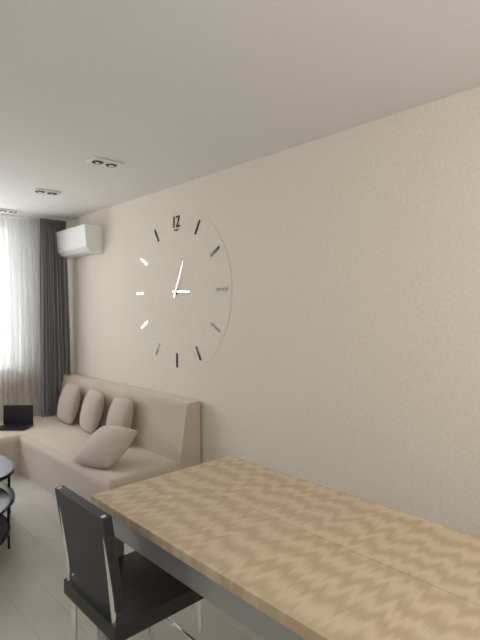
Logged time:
3h04
